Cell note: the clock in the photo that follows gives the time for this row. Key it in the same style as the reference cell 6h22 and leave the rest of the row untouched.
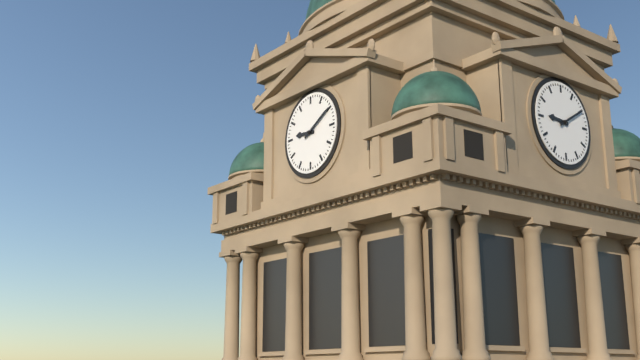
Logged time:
9h10
